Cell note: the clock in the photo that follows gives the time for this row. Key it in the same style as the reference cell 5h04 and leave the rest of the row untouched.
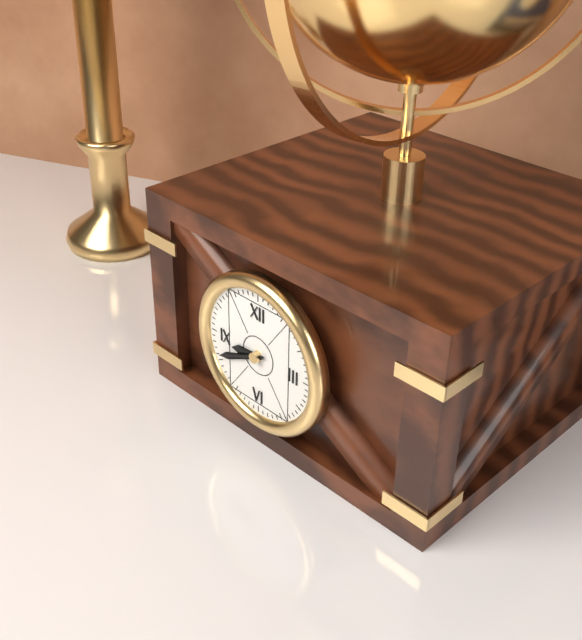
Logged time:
8h41
